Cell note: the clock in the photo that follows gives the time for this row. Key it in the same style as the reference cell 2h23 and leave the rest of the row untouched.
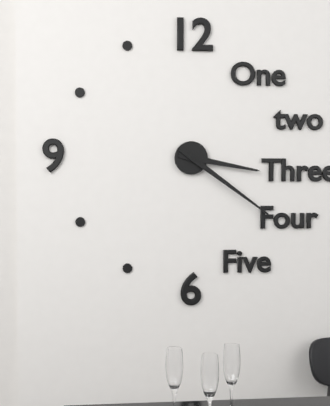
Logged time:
3h21
